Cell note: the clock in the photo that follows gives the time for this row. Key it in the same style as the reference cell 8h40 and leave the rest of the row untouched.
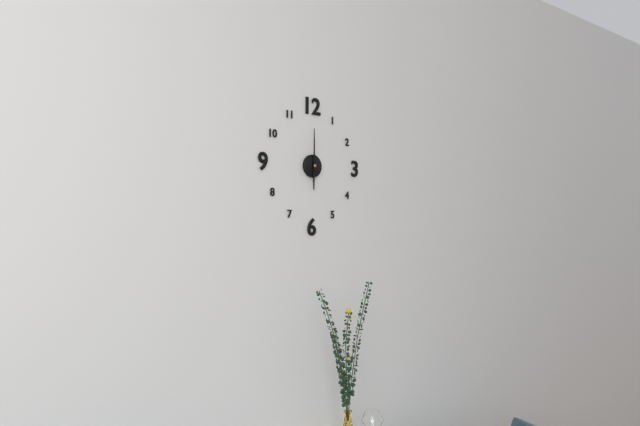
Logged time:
6h00
